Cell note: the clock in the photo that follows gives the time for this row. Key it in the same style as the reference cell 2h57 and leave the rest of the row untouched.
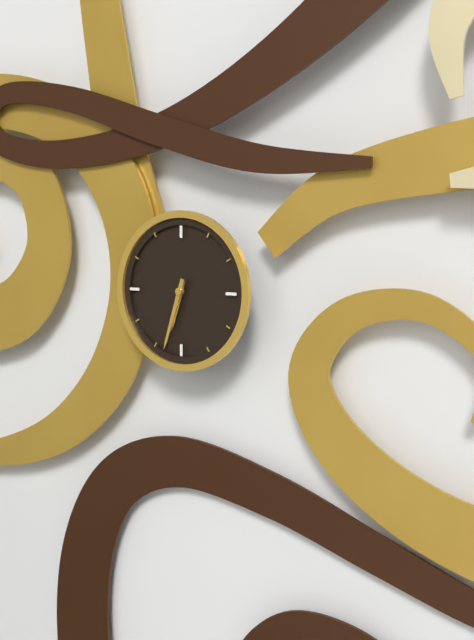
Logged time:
6h33
